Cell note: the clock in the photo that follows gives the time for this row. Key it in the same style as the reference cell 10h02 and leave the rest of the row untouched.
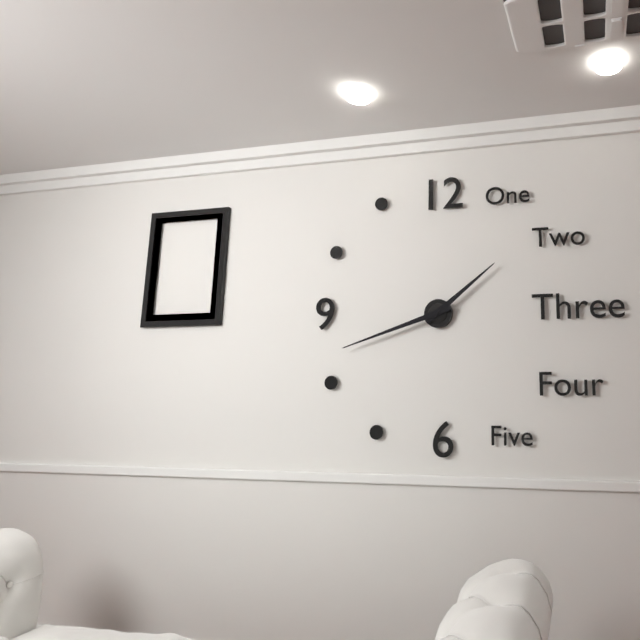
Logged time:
1h42
